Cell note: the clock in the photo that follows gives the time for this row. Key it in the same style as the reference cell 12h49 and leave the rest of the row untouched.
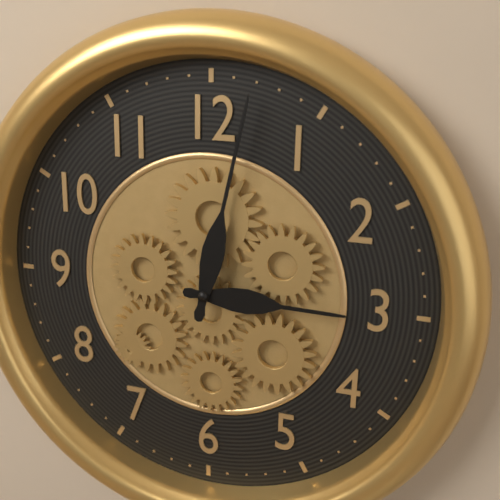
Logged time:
3h02
